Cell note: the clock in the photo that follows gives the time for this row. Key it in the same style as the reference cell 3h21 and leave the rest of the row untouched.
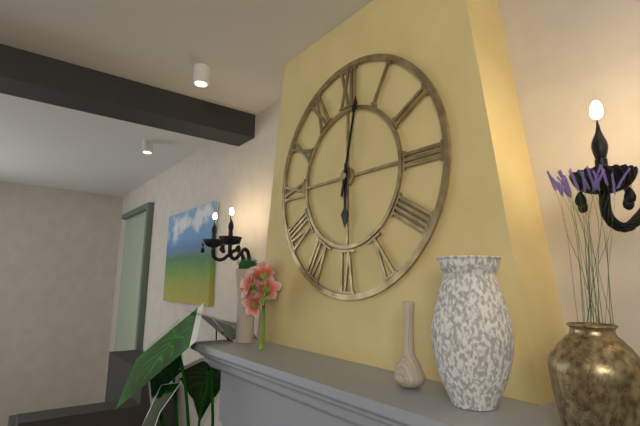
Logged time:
6h02
